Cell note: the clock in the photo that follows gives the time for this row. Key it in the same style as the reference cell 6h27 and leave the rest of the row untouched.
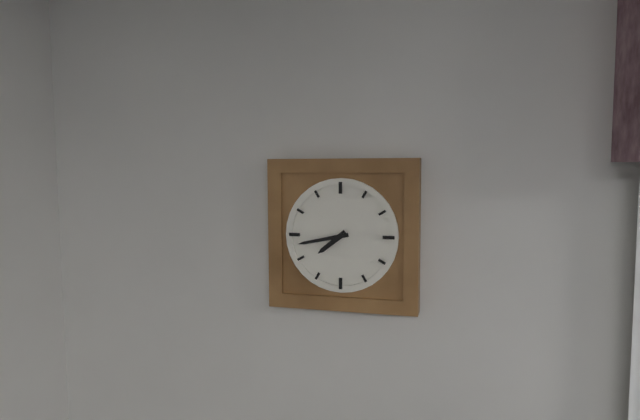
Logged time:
7h43
